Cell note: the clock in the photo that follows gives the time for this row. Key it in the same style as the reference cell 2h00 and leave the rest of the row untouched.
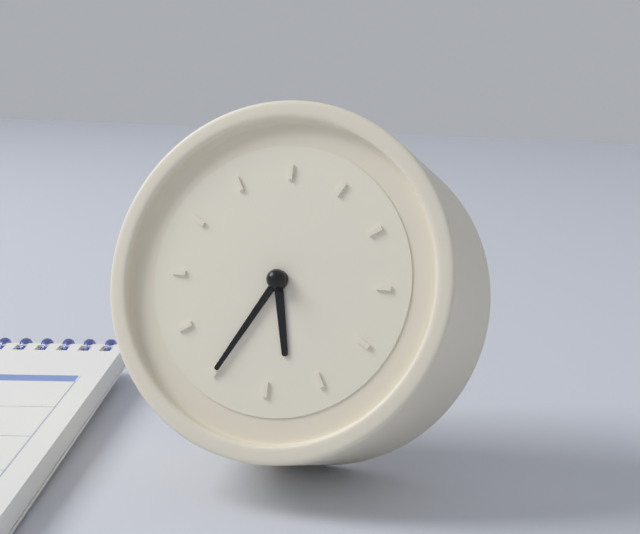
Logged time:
5h35
